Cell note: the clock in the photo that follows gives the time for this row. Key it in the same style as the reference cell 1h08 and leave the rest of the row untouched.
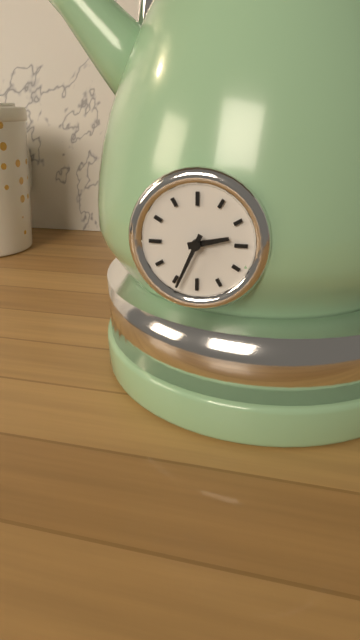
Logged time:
2h34
